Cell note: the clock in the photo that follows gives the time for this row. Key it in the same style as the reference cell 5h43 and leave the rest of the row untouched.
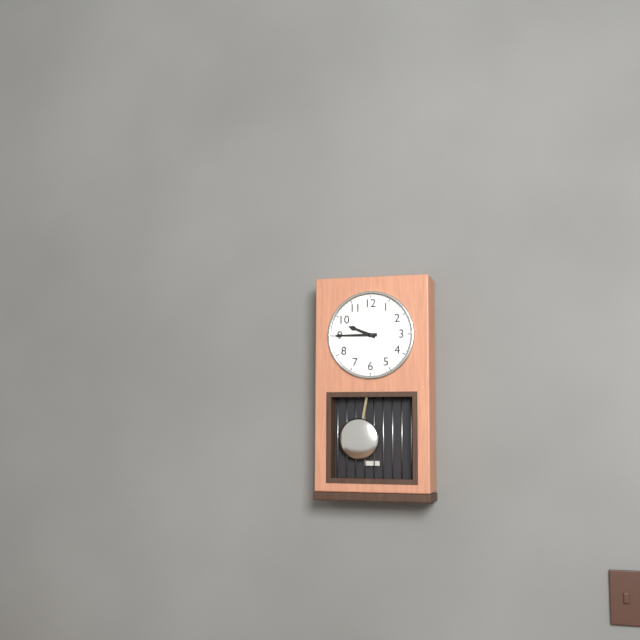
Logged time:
9h45
